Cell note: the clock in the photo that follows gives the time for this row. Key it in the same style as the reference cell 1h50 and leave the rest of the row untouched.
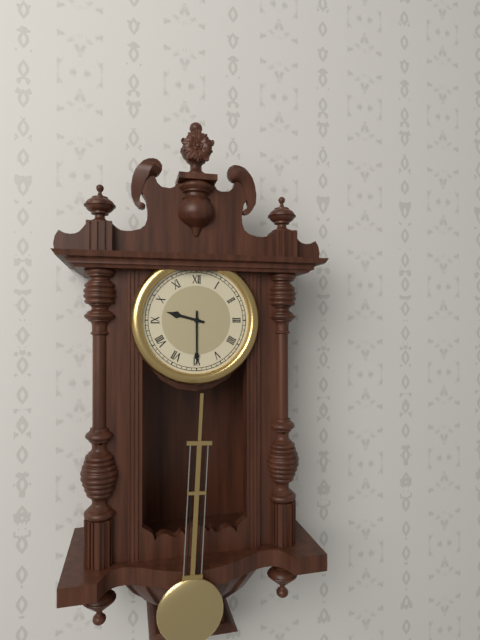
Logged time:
9h30
